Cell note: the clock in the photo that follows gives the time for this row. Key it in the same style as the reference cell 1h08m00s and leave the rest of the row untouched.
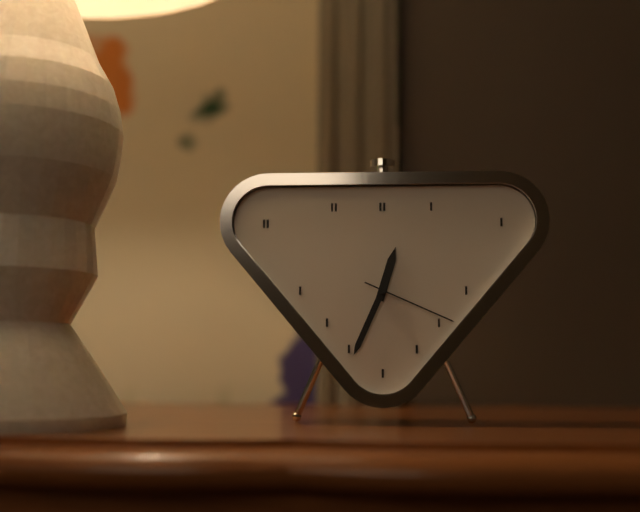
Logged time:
12h34m19s
